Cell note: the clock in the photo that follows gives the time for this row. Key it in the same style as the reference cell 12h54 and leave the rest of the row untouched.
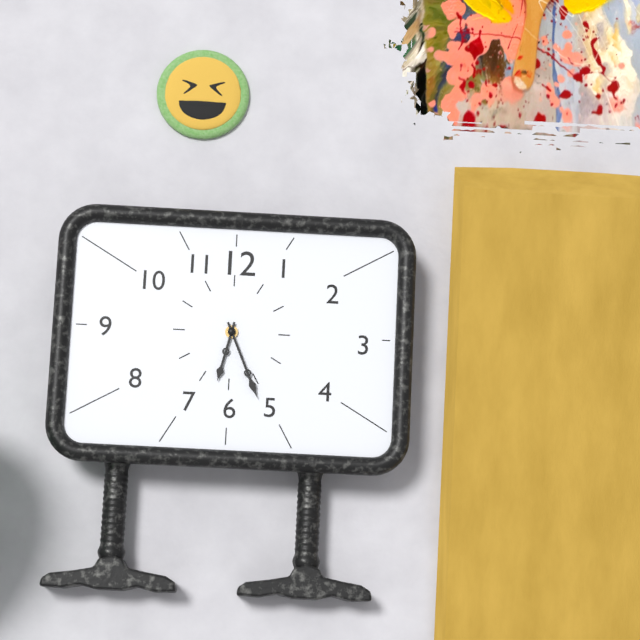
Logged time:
6h26
